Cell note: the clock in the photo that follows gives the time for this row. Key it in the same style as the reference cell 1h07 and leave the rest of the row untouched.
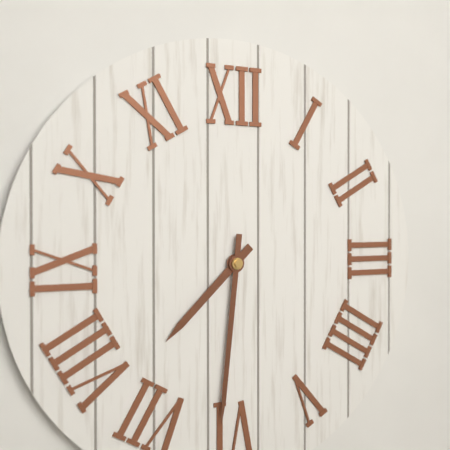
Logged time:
7h31
